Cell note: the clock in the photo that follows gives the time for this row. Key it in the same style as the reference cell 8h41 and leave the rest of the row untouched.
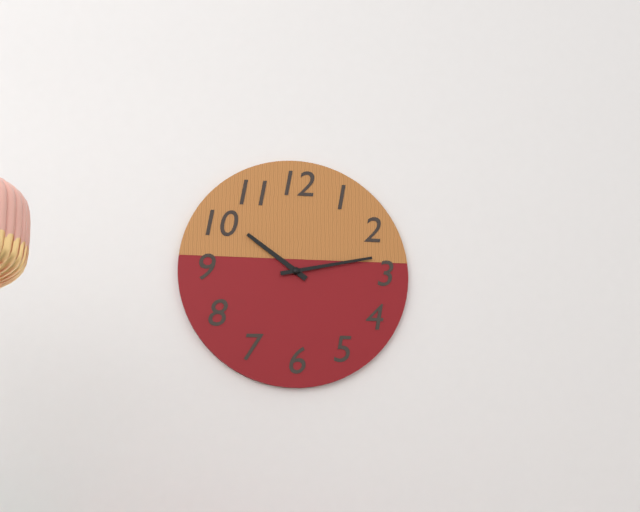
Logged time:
10h13
